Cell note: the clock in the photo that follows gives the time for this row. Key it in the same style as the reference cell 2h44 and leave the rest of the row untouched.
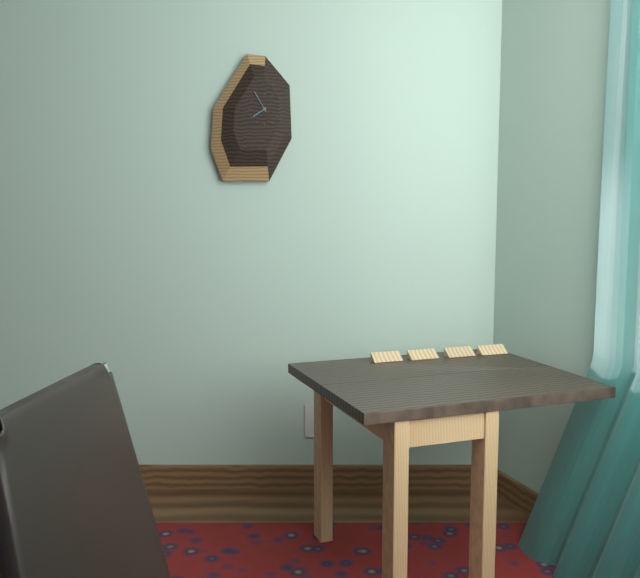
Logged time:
7h55
